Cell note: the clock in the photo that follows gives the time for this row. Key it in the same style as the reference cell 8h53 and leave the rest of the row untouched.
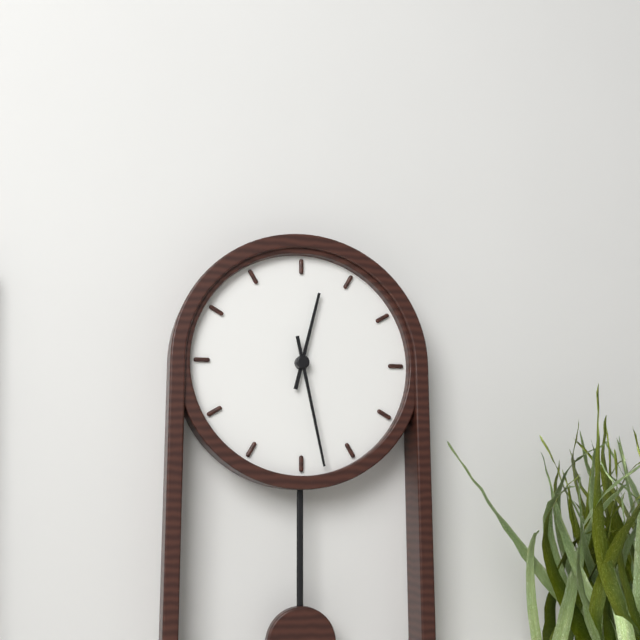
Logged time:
12h28
